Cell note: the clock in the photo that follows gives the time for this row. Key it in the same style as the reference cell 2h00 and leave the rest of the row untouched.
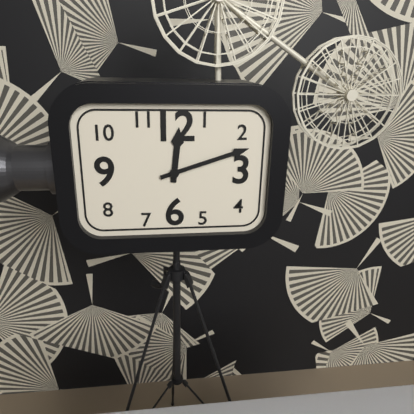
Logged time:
12h12
